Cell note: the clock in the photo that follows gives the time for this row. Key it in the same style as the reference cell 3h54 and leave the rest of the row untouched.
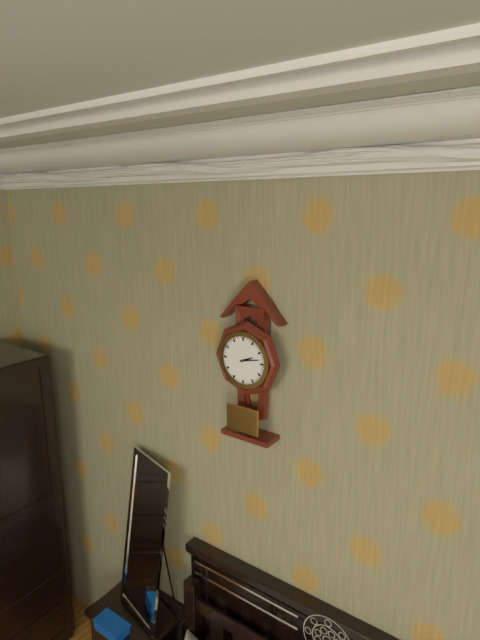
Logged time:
2h13
